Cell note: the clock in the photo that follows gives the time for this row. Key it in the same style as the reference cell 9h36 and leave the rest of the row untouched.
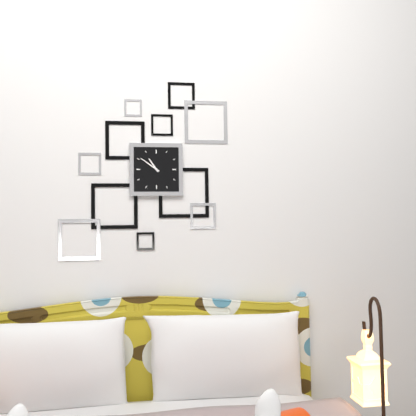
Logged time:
10h51
